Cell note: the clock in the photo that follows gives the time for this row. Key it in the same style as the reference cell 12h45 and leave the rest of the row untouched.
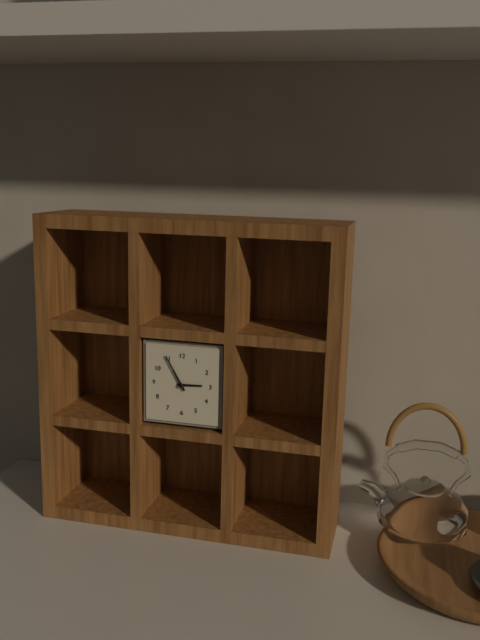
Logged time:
2h55
